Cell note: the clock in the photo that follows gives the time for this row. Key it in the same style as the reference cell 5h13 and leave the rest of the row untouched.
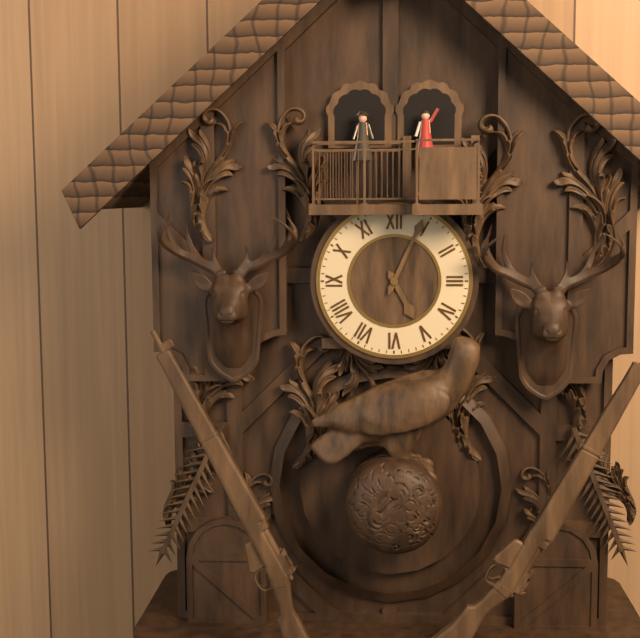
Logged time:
5h04
